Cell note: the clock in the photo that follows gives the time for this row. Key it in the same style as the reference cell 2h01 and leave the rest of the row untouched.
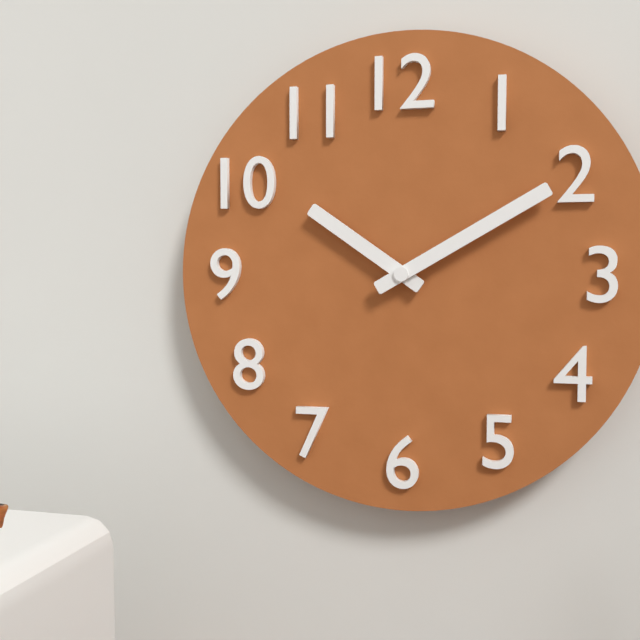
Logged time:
10h10
